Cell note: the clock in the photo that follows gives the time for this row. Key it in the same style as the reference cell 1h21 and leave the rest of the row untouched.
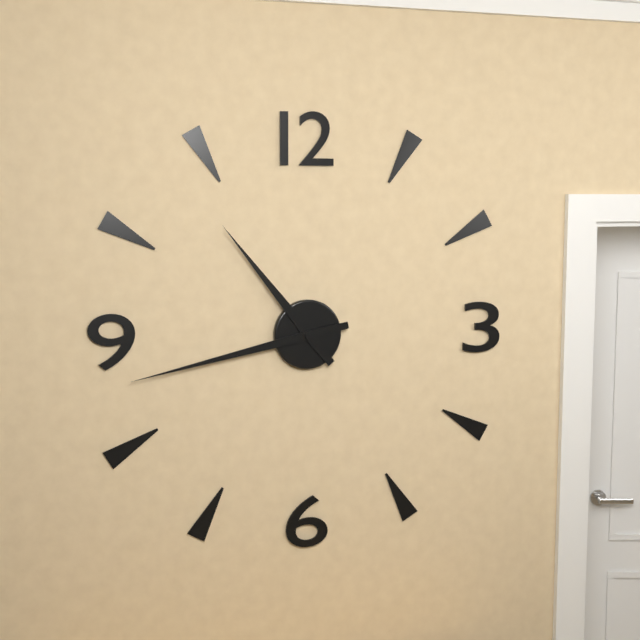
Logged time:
10h43
